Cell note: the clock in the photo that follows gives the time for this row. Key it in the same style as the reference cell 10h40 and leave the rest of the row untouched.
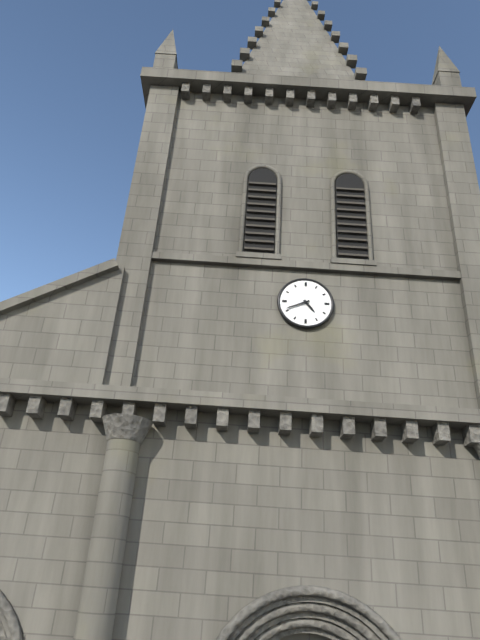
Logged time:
4h41
